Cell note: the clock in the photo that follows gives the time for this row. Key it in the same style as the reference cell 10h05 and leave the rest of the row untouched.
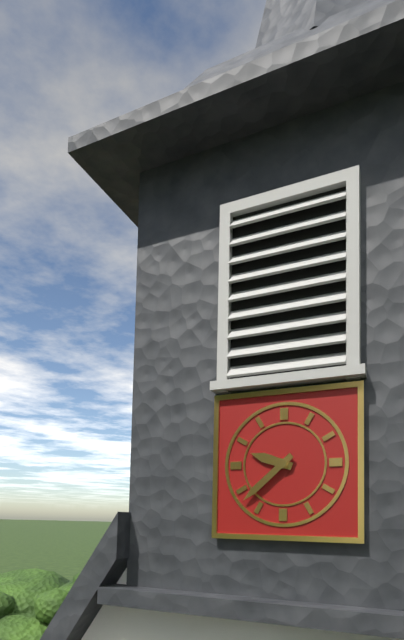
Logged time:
9h38
